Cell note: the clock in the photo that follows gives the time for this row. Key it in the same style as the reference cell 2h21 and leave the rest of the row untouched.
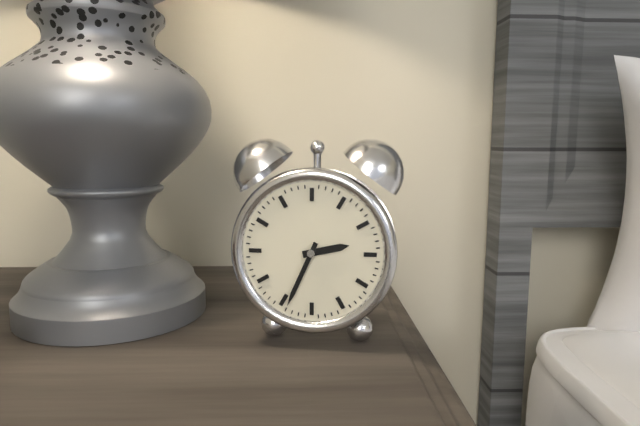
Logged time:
2h34
